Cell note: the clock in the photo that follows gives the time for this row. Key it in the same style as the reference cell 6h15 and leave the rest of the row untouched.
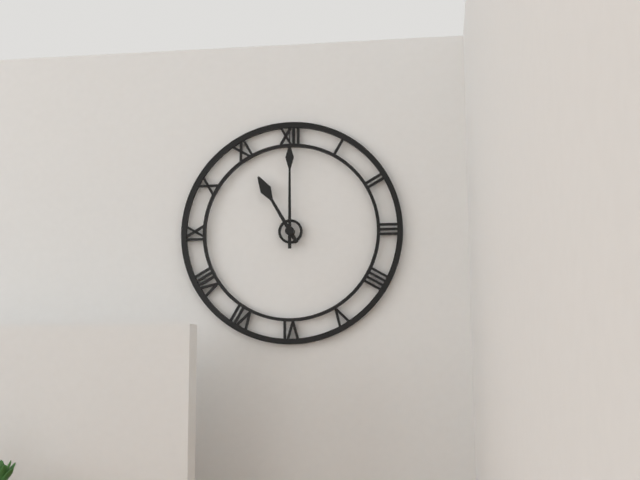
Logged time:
11h00
